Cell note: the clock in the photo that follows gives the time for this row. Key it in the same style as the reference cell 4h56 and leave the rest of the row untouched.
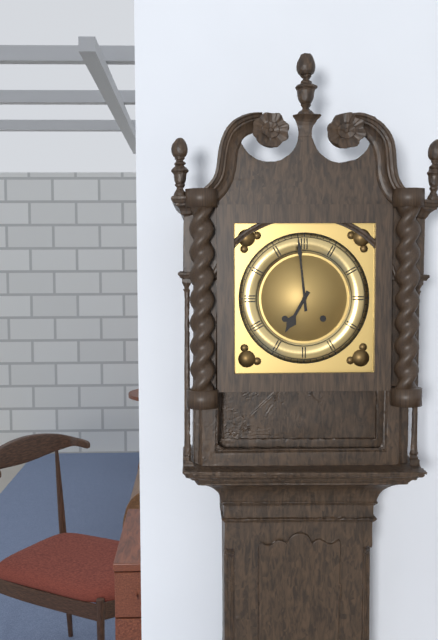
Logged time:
6h59
